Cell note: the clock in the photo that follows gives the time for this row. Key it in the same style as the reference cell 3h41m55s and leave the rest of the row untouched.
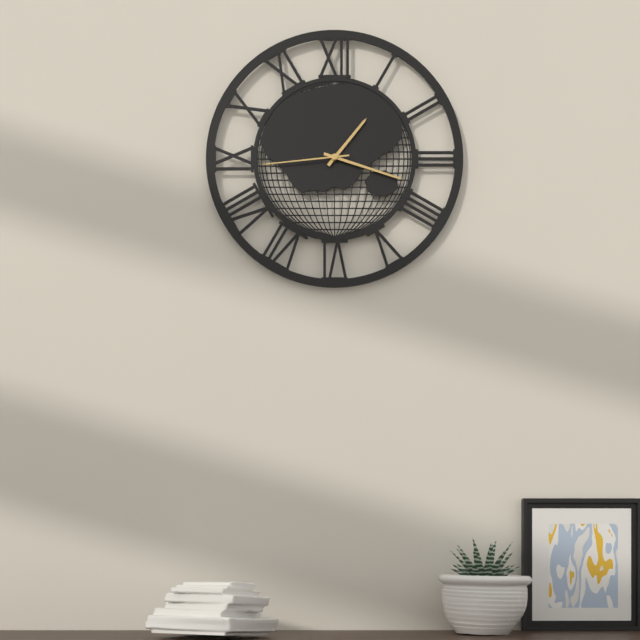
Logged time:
1h18m44s
